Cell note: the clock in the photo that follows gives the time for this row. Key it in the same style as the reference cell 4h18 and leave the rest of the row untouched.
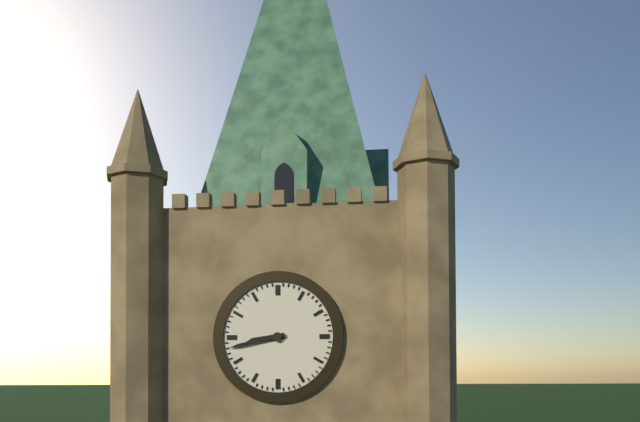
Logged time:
8h43
